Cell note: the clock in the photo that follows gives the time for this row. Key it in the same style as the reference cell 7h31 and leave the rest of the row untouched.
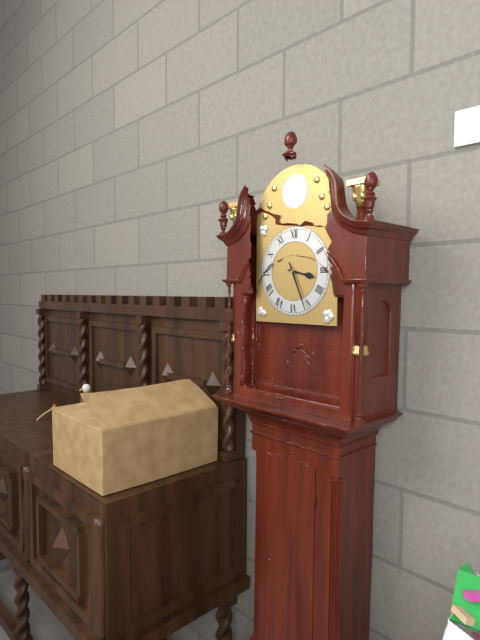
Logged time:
3h26
